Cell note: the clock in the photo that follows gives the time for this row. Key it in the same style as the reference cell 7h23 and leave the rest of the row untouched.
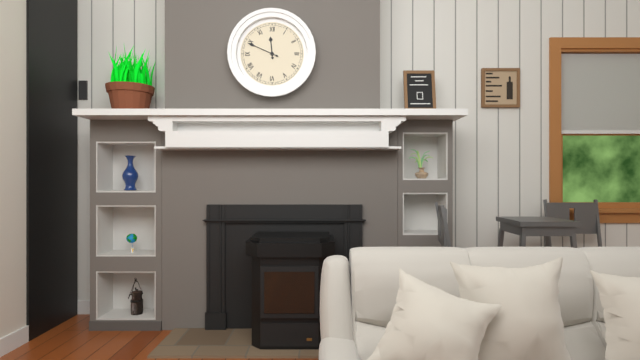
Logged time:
11h49
